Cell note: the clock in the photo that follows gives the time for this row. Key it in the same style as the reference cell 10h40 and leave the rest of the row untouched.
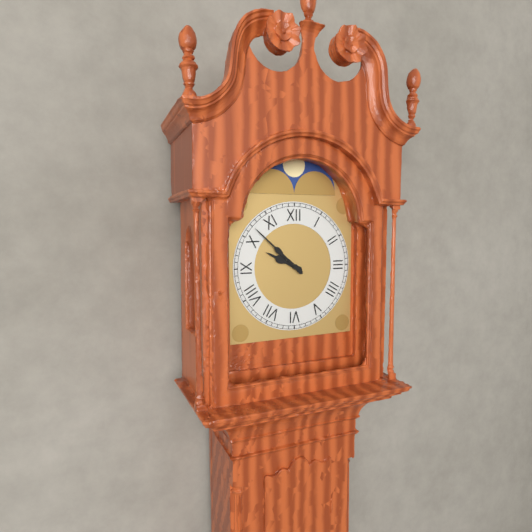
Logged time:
9h52
